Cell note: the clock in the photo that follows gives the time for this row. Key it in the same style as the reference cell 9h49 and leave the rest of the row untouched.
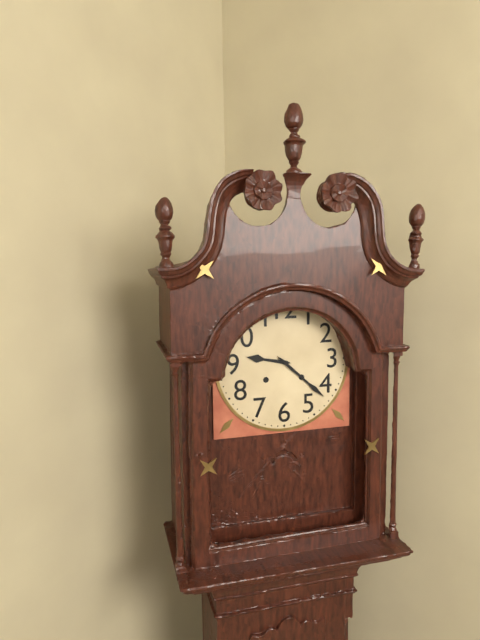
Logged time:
9h22
